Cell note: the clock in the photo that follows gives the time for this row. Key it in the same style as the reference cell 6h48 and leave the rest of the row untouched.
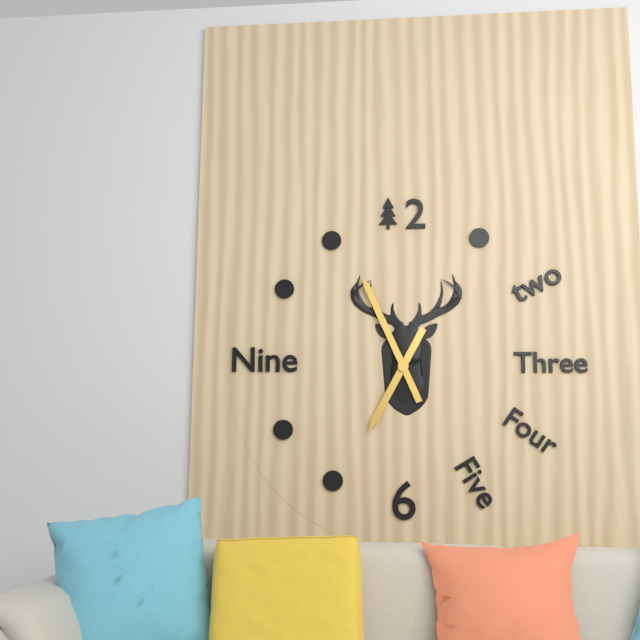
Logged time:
6h56
